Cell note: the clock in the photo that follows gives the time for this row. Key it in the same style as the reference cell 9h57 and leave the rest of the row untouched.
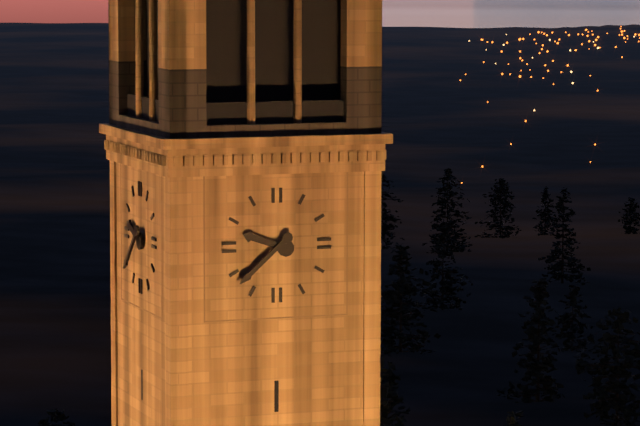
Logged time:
9h38
